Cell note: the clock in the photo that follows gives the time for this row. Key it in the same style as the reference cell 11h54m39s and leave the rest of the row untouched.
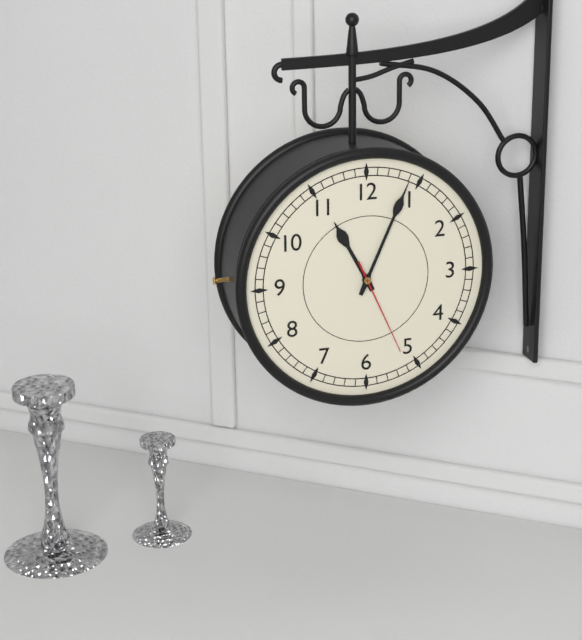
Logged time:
11h04m26s
